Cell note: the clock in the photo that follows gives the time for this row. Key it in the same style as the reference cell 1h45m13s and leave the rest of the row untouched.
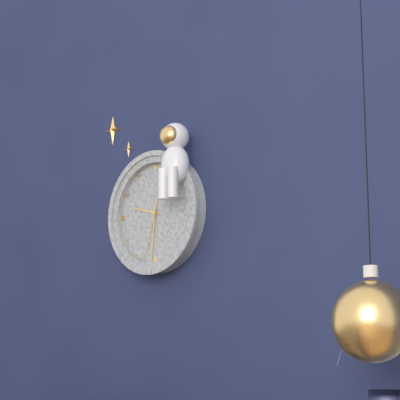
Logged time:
9h31m33s
